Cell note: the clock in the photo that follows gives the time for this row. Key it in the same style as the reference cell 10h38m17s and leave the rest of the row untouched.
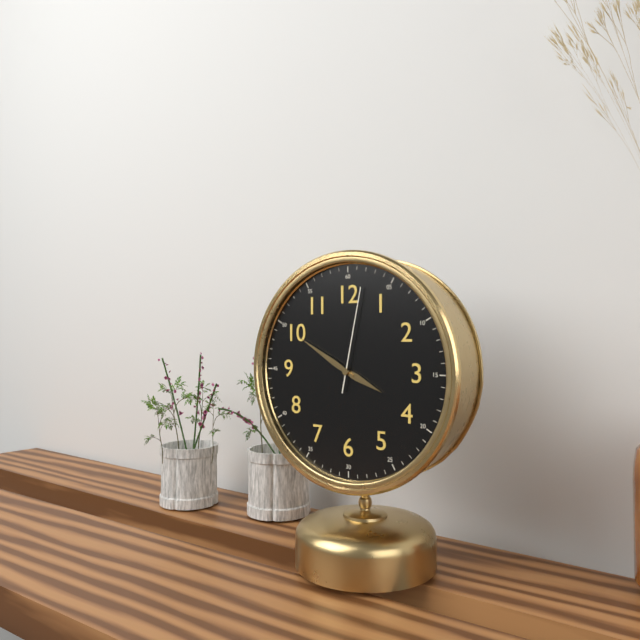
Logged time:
3h50m02s
